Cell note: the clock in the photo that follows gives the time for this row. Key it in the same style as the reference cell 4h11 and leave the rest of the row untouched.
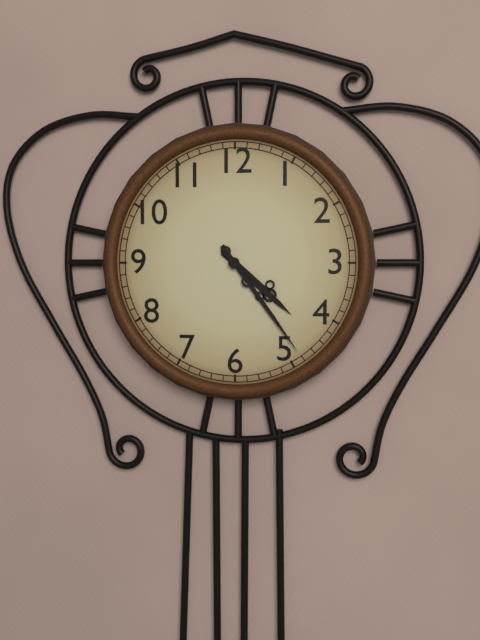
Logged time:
4h24
